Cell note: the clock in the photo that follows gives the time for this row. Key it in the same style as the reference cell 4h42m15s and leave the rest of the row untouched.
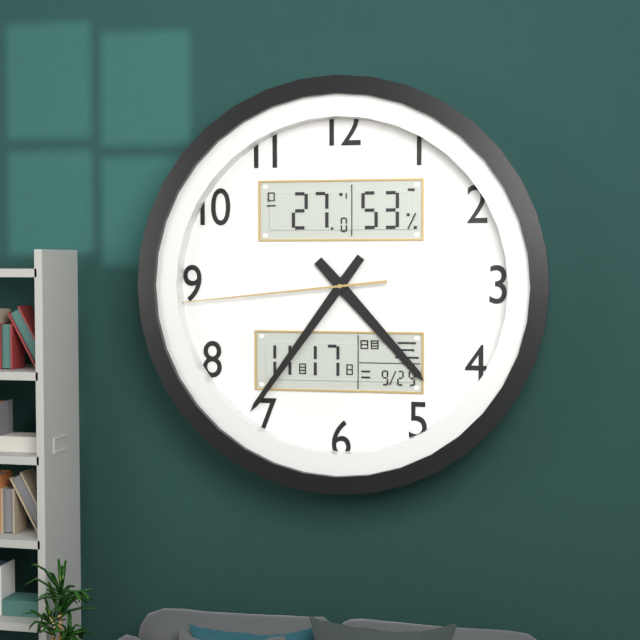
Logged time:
4h36m44s
